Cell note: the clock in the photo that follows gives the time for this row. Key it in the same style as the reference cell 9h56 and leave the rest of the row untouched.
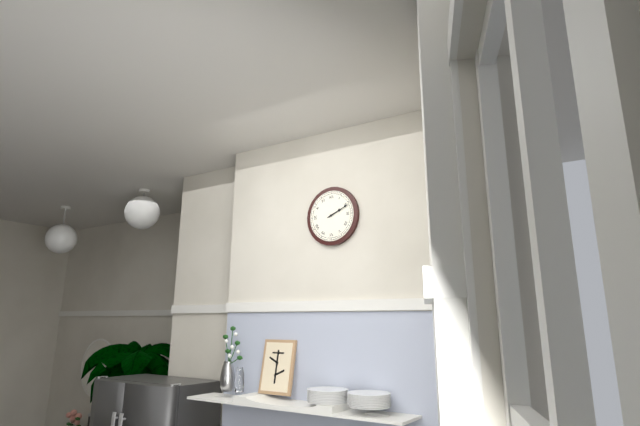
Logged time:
2h11
